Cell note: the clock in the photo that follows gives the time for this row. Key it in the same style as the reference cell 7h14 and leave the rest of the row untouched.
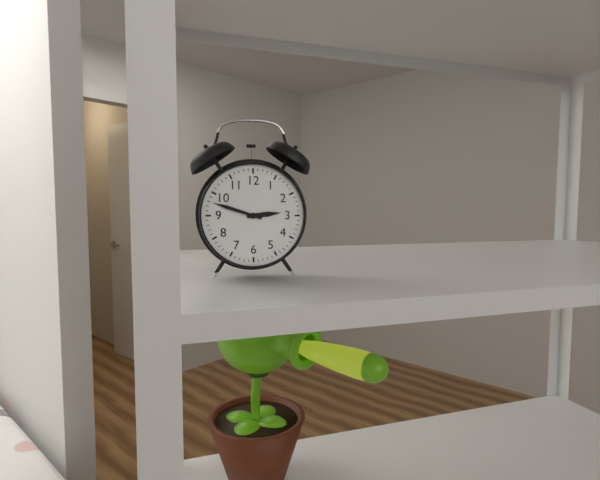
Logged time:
2h48
